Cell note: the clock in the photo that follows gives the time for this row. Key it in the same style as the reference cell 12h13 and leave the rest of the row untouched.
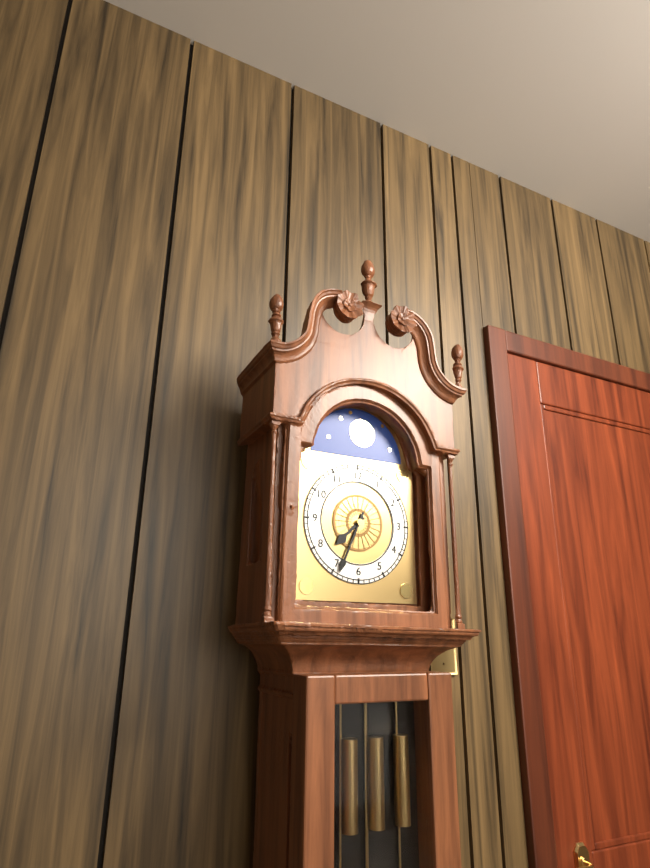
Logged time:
7h34
